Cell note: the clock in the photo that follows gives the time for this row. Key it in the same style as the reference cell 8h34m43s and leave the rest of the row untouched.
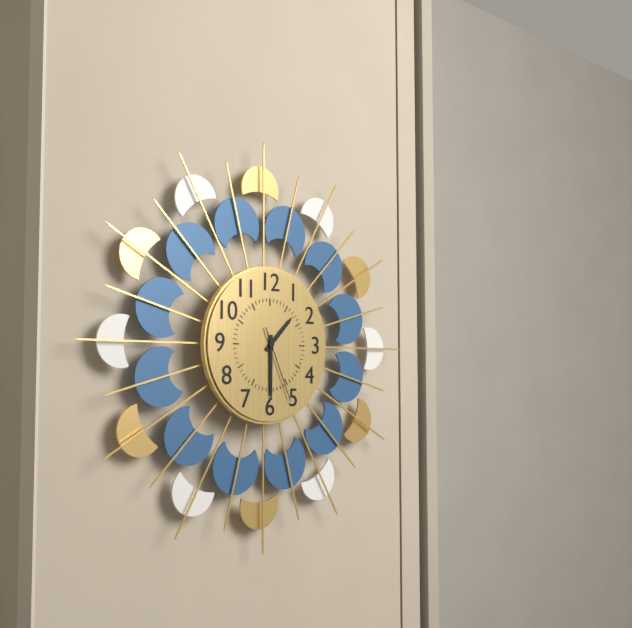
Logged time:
1h30m26s
